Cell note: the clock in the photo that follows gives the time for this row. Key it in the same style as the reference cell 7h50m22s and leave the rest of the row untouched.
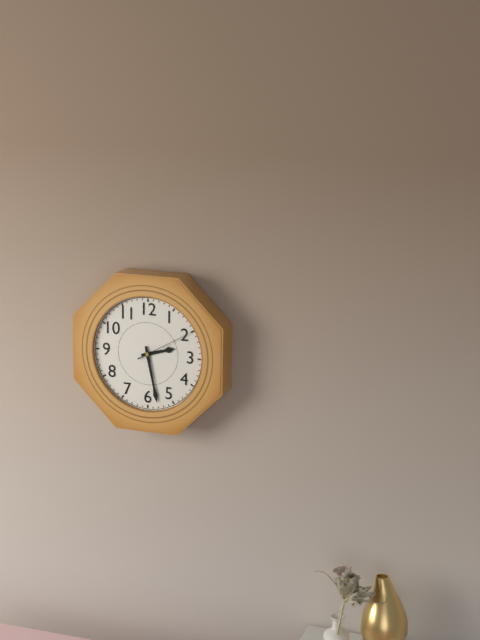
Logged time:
2h28m10s
